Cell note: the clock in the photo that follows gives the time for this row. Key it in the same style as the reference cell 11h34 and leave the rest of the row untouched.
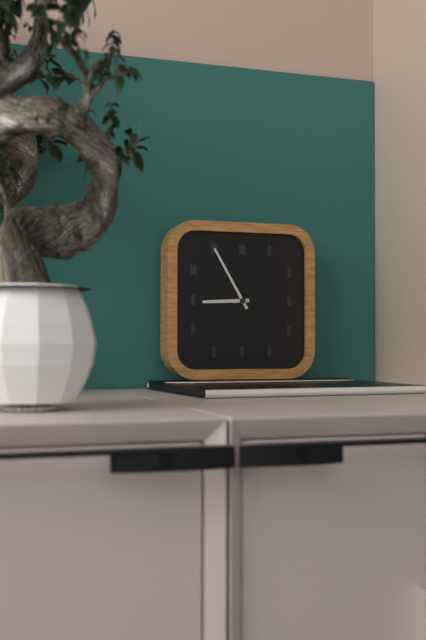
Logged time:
8h55
